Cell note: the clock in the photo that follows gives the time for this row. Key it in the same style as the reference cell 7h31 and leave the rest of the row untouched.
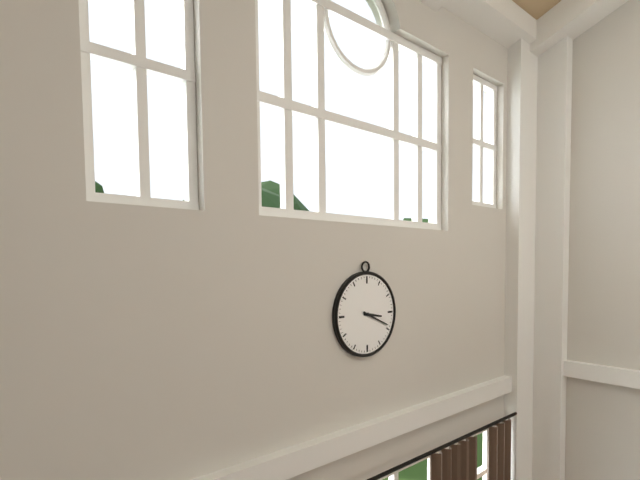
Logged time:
3h19
